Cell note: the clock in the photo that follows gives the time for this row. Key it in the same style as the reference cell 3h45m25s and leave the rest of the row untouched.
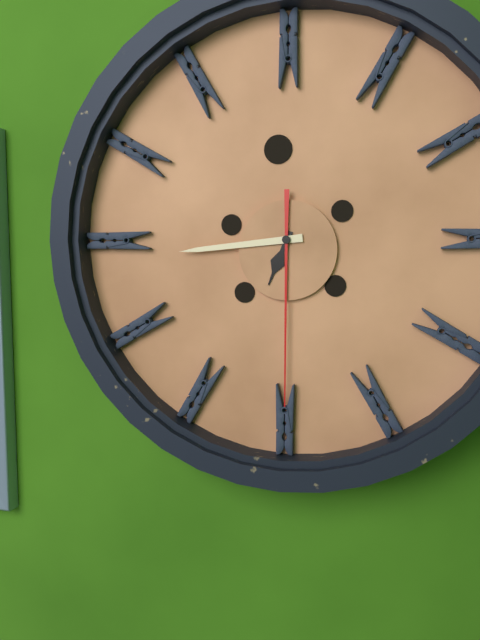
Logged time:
6h44m30s
